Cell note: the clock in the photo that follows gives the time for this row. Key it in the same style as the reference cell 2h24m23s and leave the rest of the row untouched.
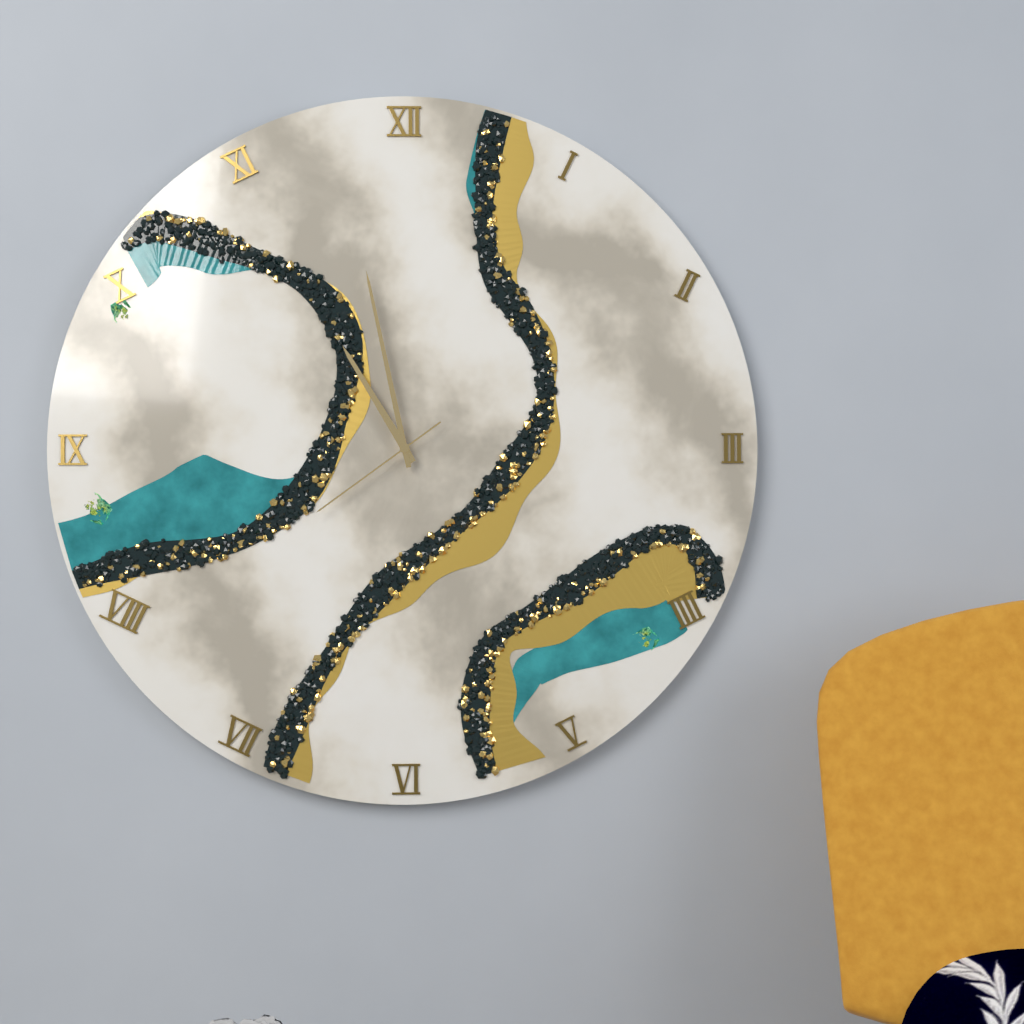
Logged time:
10h58m39s
